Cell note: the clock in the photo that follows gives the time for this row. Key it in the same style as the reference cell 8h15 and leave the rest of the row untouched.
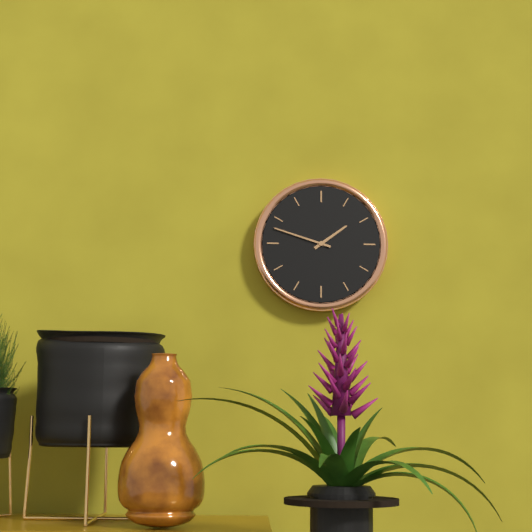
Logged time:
1h48
